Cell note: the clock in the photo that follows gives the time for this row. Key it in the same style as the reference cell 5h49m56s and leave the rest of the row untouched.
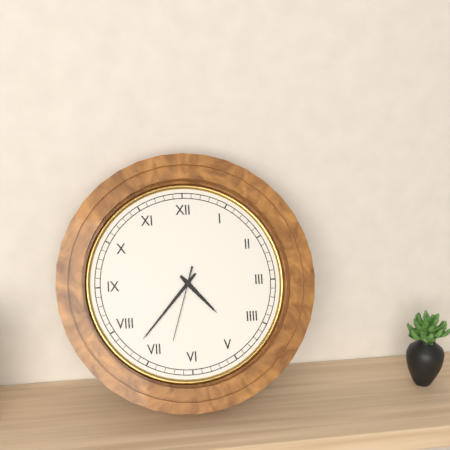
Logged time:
4h37m33s
